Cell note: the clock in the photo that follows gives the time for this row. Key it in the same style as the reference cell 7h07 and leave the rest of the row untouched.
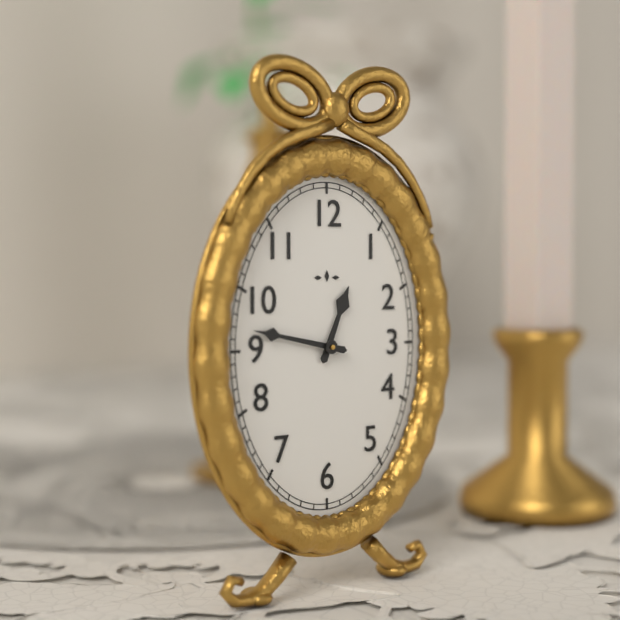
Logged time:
12h47
